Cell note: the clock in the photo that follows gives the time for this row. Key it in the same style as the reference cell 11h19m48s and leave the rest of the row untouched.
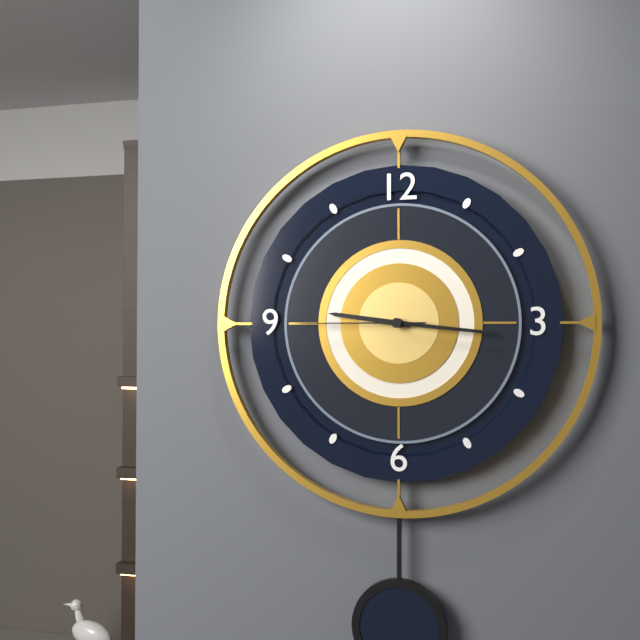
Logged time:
9h16m45s
